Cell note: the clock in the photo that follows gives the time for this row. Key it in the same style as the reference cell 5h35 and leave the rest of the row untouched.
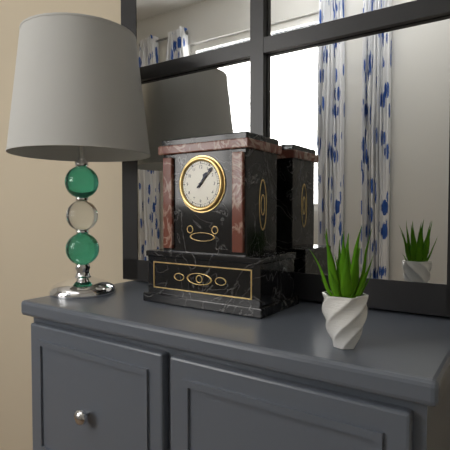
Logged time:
1h07
